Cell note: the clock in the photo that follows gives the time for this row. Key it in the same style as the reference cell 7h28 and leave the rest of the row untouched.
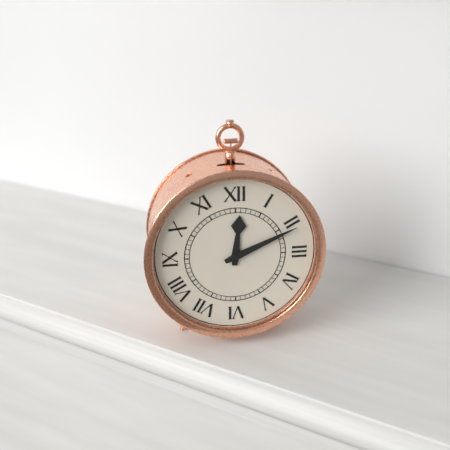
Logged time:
12h11
